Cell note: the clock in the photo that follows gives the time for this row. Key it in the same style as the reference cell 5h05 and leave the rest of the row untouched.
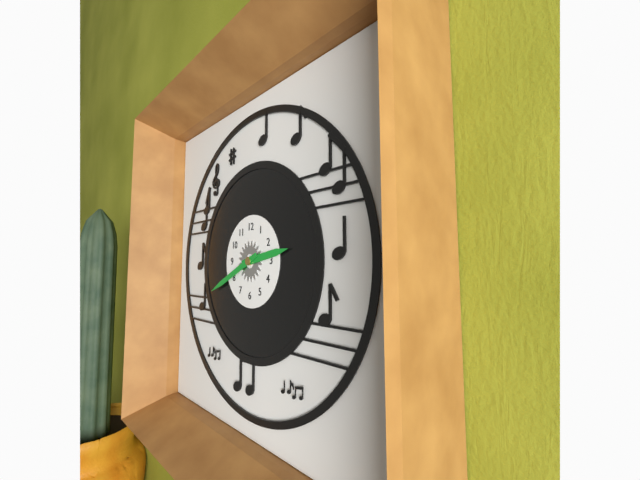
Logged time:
2h41
